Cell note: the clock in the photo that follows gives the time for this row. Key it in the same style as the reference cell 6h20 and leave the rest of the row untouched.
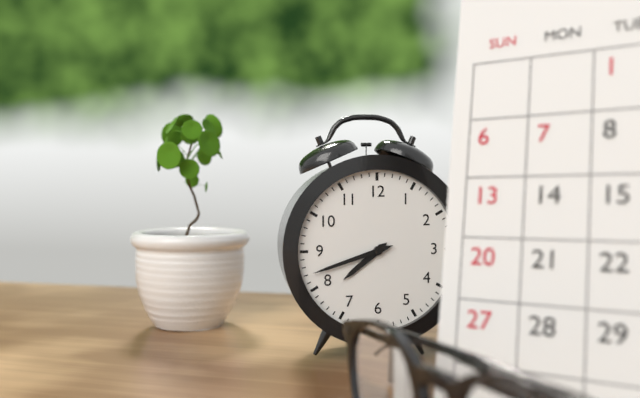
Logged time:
7h42
